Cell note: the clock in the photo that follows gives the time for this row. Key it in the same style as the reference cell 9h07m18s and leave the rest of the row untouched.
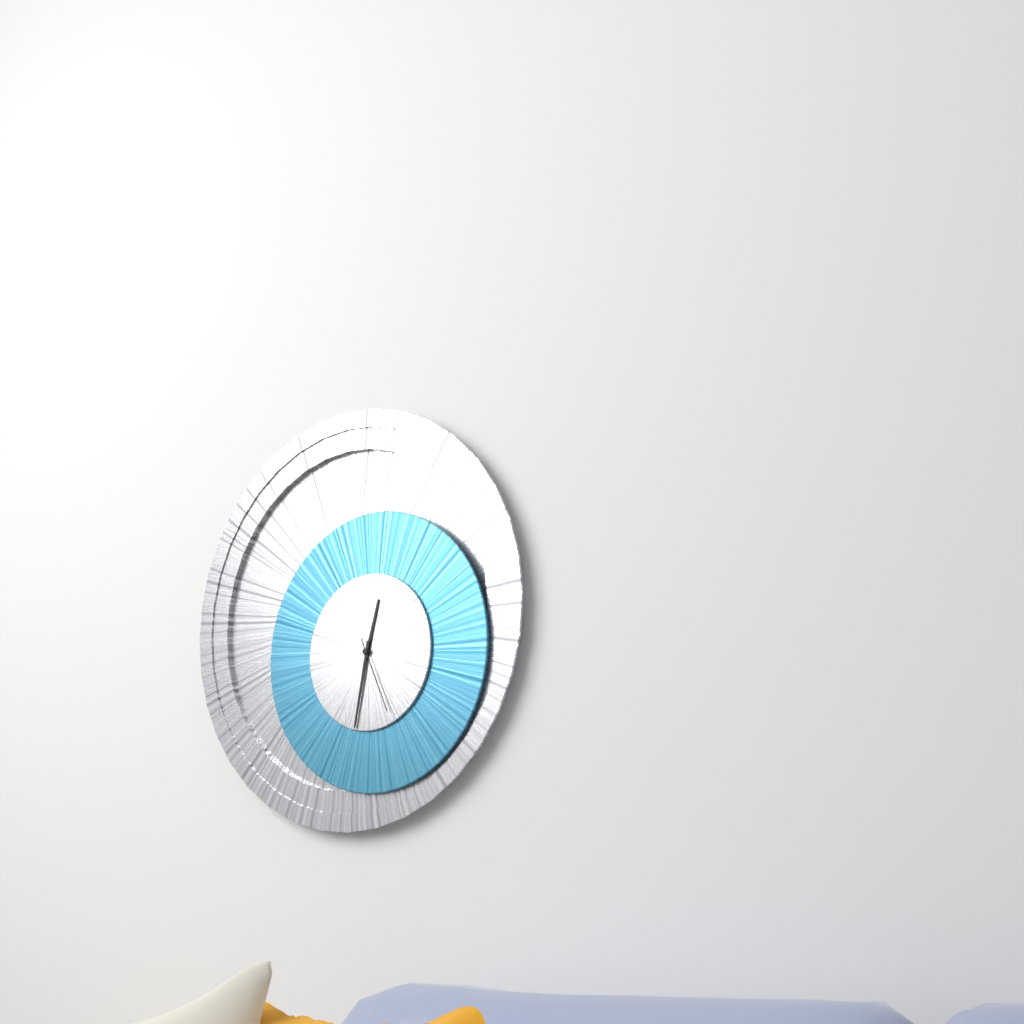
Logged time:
12h32m26s
